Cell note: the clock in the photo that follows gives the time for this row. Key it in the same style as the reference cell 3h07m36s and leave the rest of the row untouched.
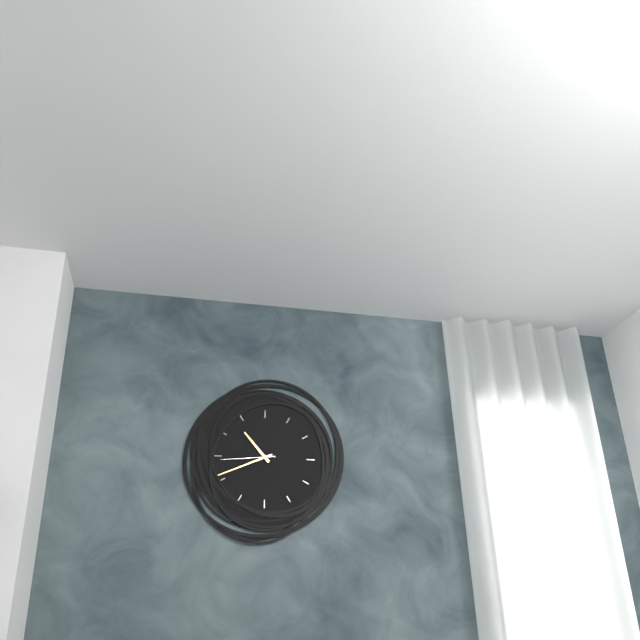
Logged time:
10h41m44s
